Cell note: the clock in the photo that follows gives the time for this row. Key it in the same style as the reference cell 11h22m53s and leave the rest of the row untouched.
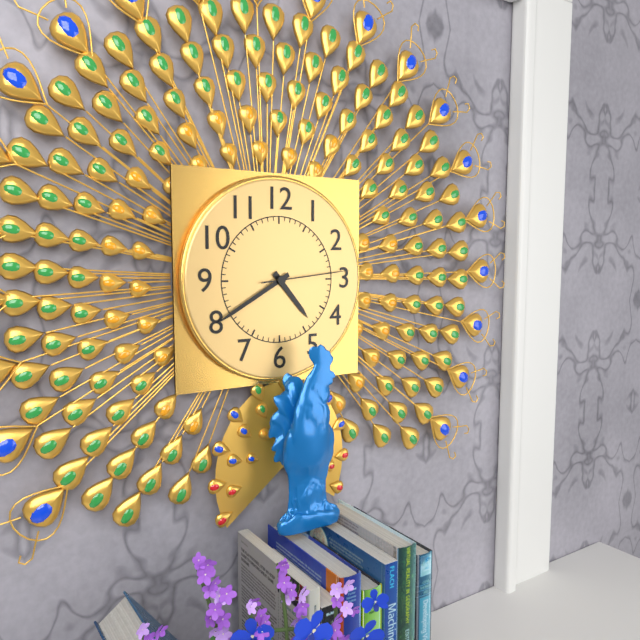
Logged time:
4h40m14s
